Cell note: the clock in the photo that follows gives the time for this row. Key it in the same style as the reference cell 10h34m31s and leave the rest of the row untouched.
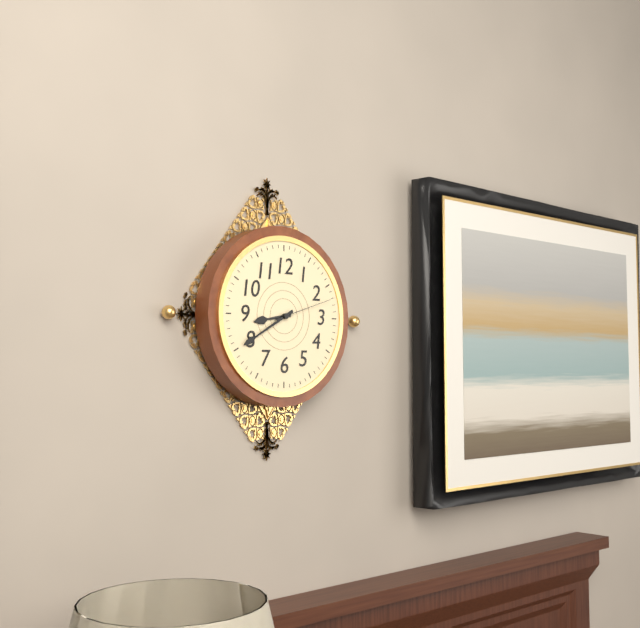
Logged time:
8h40m12s
